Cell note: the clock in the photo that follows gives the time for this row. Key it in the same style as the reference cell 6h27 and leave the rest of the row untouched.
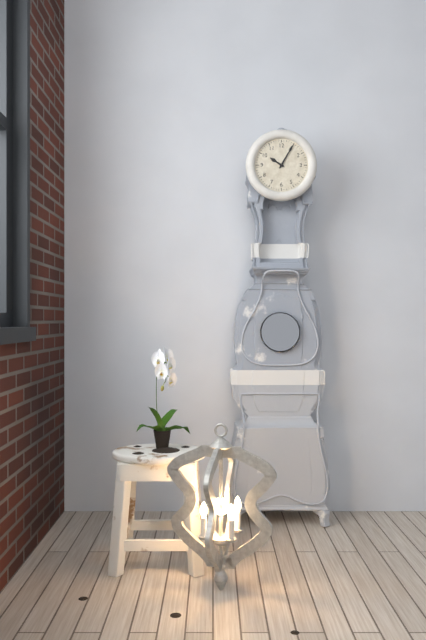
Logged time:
10h05
